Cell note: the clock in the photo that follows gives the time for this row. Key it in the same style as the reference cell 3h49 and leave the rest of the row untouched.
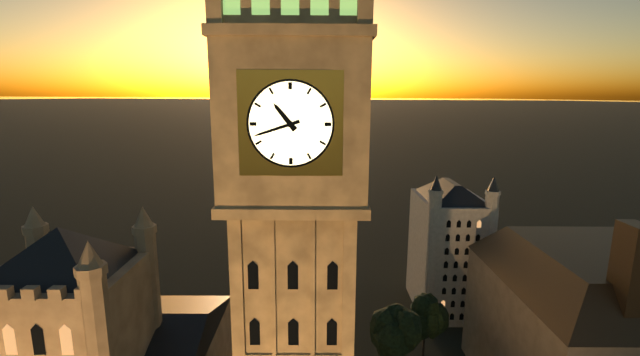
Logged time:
10h42
